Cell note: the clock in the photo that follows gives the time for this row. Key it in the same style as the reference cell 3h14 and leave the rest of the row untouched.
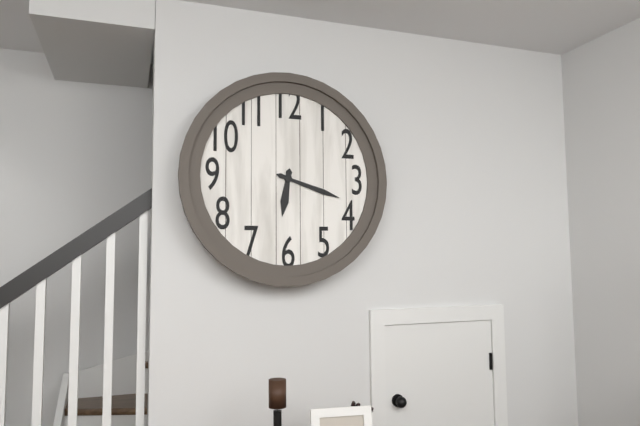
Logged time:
6h18
